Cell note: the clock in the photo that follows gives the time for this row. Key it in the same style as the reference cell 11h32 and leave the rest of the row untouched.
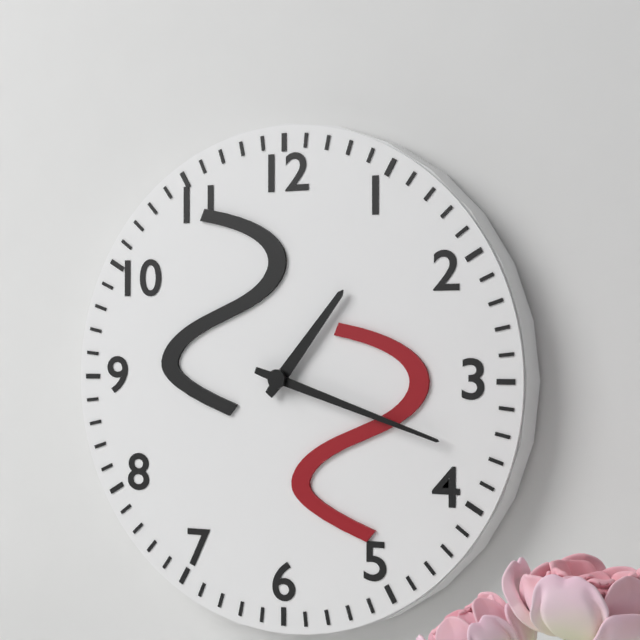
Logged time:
1h18
